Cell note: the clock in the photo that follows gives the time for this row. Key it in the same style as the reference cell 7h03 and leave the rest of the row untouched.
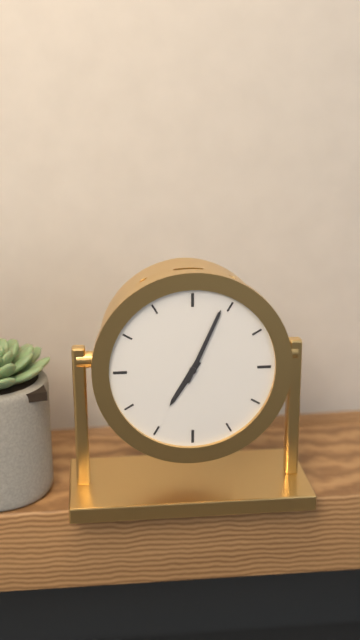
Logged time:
7h04
